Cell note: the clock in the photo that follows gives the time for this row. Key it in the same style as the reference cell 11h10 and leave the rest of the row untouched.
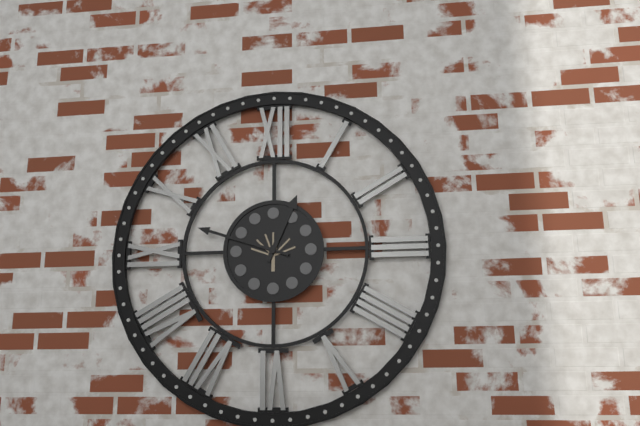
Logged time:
12h48
